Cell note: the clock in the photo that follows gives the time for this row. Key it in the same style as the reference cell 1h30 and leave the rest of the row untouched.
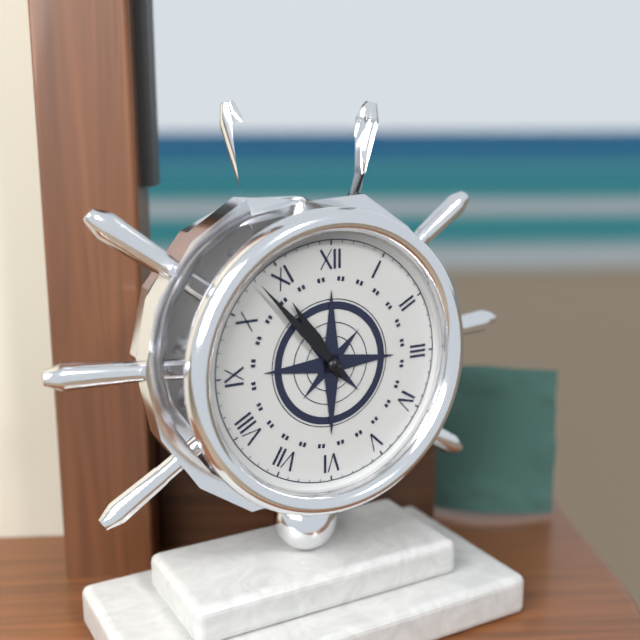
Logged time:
10h53
